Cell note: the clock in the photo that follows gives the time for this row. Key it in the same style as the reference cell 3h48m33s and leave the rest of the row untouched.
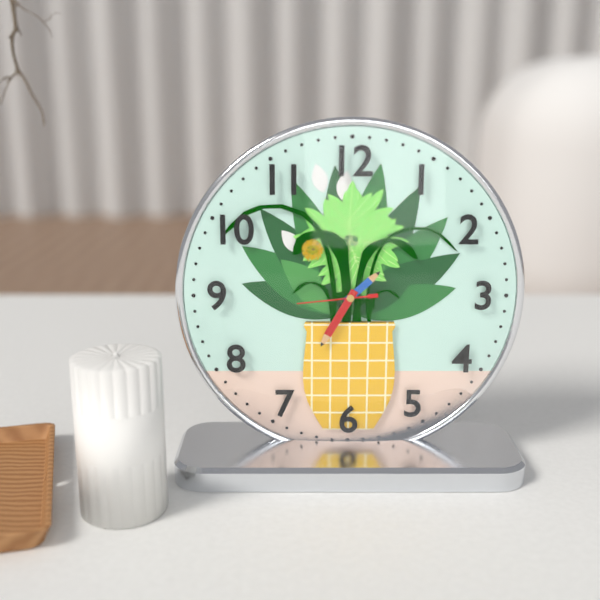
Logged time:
1h35m44s
